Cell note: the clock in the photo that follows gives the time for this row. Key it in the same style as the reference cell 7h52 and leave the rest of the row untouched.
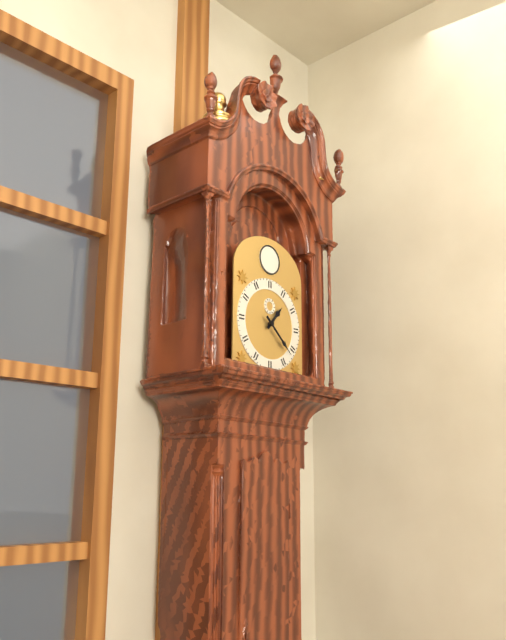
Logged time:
1h22
